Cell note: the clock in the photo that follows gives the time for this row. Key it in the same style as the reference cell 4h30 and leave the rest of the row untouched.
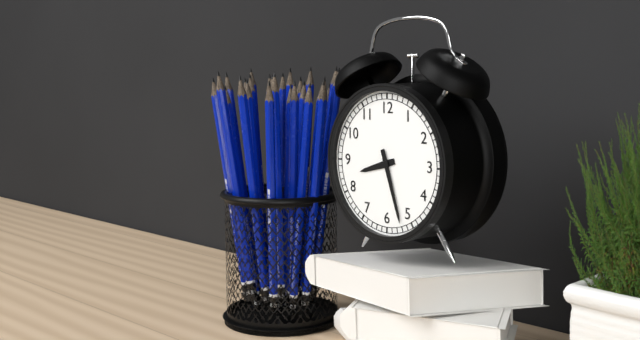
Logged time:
8h27
